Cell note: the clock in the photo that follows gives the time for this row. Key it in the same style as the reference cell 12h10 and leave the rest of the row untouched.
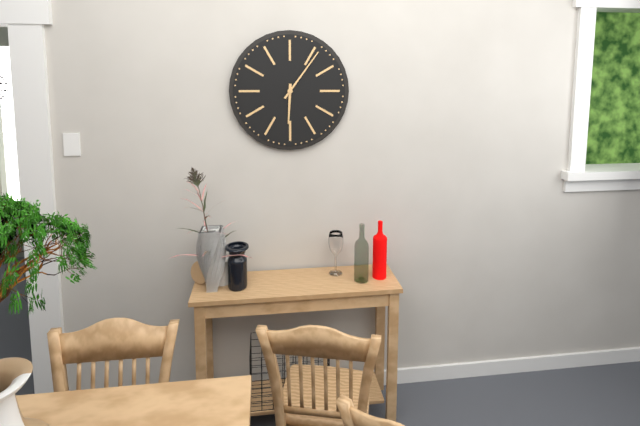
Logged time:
6h06
